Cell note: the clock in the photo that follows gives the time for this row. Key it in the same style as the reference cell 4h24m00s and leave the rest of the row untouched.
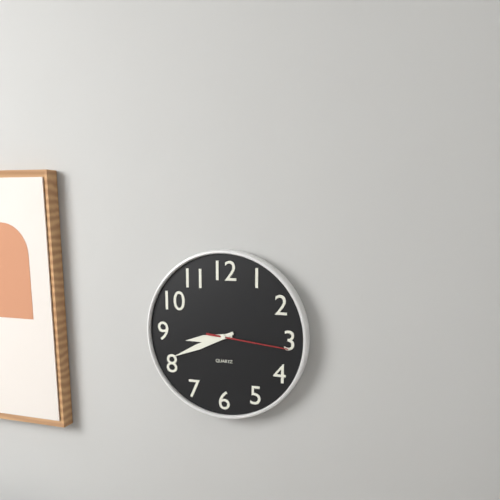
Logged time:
8h41m16s
